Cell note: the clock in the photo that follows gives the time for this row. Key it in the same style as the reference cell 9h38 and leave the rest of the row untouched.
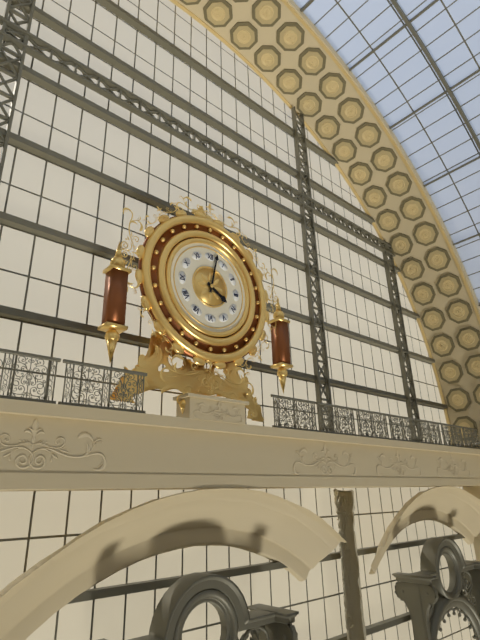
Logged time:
4h02
